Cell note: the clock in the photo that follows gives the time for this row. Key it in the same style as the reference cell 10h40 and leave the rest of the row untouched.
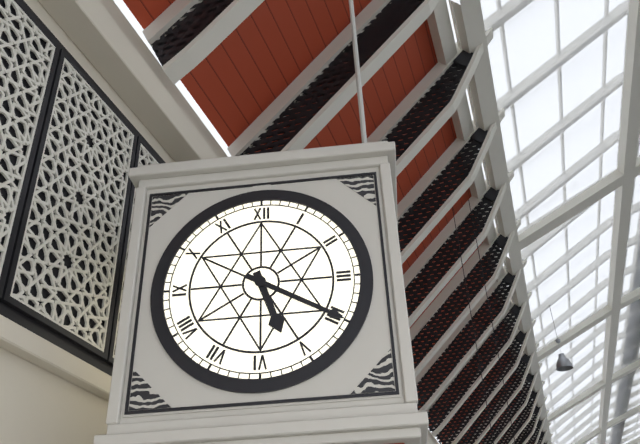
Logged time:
5h20
